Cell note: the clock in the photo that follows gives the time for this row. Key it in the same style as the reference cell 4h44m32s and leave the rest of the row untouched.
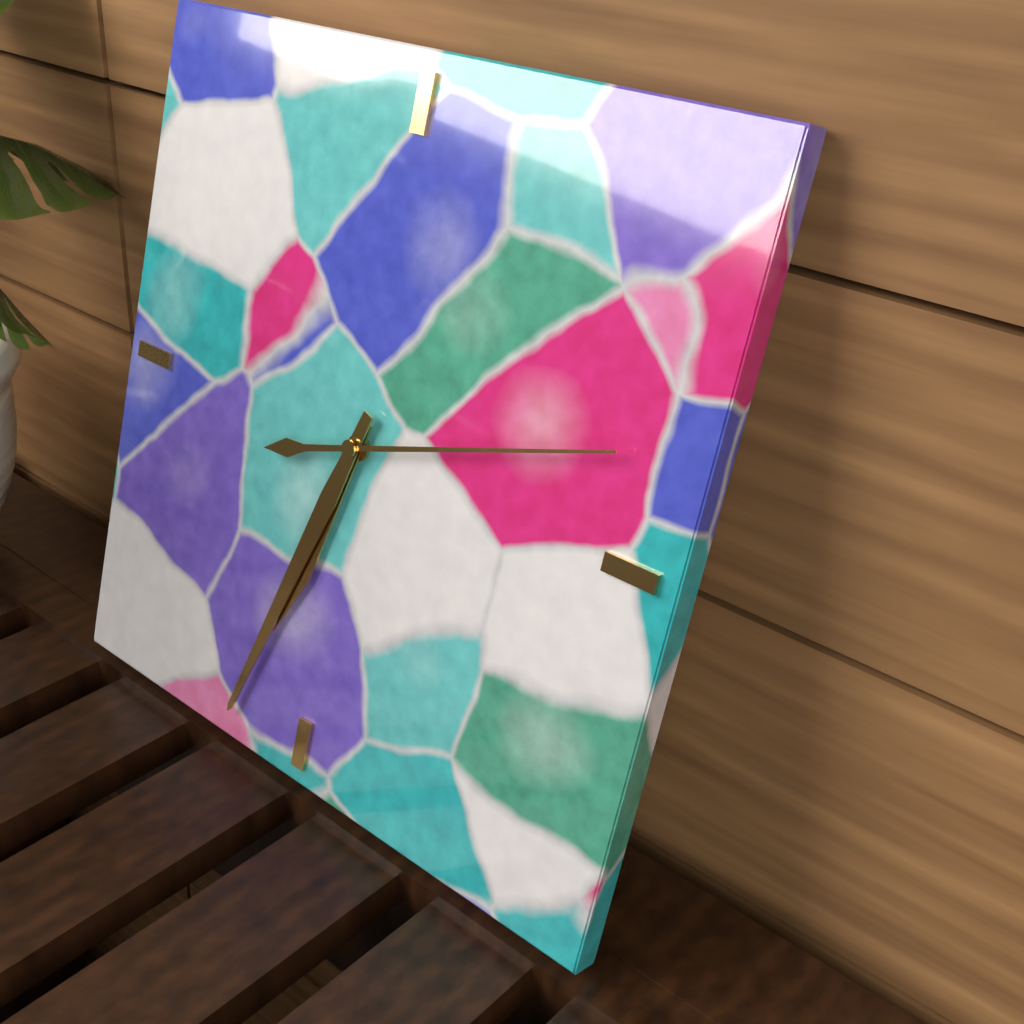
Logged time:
6h33m12s
